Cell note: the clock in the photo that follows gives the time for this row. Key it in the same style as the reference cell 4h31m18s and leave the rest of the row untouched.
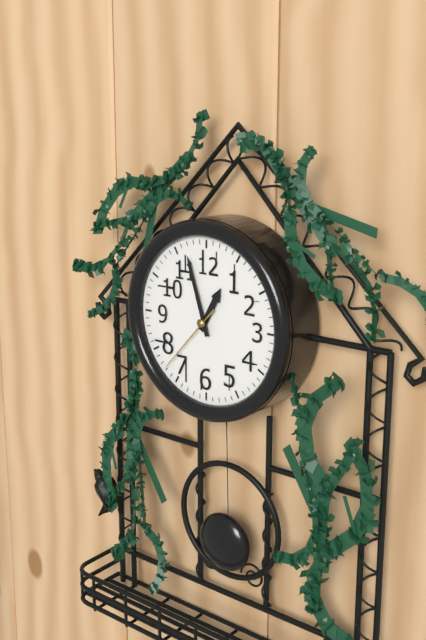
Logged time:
12h57m37s
